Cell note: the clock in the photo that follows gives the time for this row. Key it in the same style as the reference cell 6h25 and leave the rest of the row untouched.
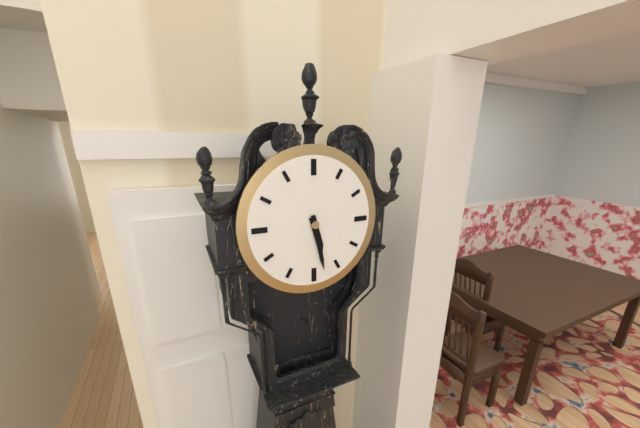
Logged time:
5h28
